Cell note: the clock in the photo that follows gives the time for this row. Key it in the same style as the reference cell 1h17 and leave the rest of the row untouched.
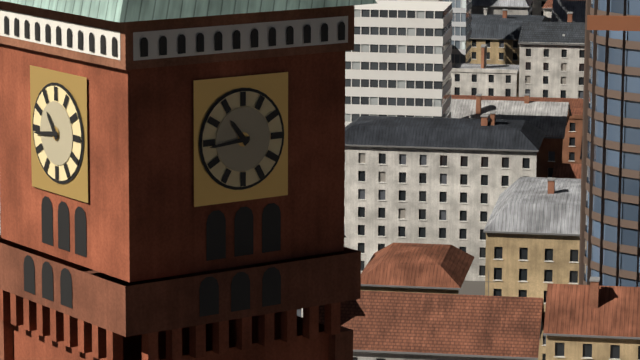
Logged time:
10h44
